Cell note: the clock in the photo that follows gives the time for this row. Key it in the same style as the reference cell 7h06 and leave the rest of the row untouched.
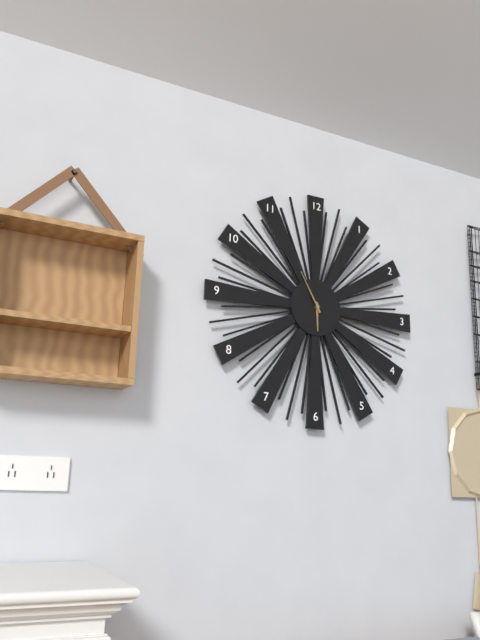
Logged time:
5h55
